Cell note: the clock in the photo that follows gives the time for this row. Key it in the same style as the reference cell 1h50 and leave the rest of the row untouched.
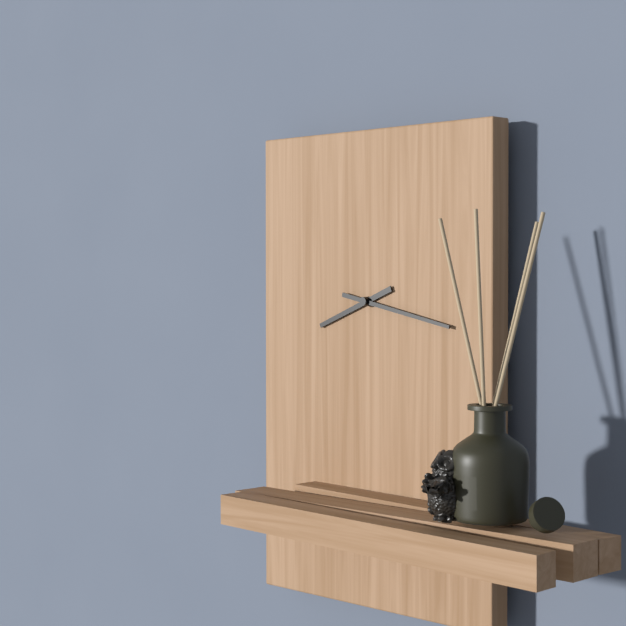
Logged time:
8h17
